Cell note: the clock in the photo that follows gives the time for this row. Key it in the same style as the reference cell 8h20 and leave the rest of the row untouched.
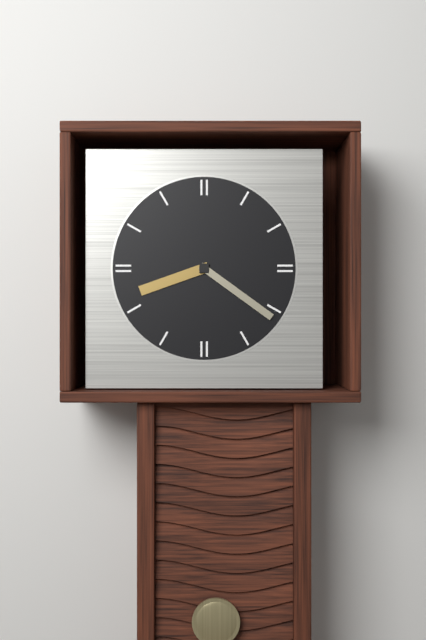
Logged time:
8h21
